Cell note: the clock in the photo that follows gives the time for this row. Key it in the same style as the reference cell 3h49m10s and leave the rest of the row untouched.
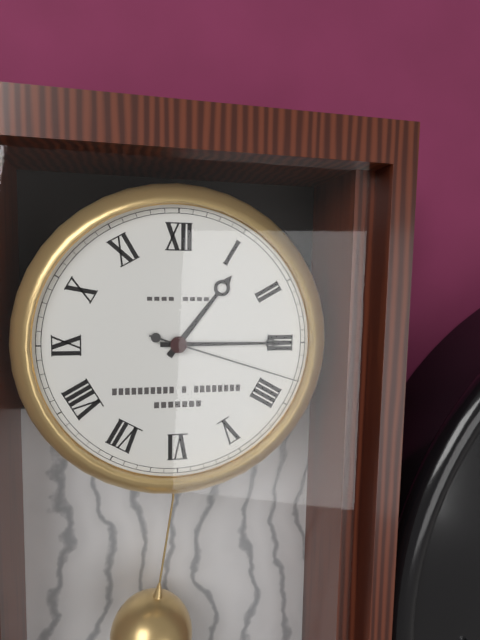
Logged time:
1h15m18s
